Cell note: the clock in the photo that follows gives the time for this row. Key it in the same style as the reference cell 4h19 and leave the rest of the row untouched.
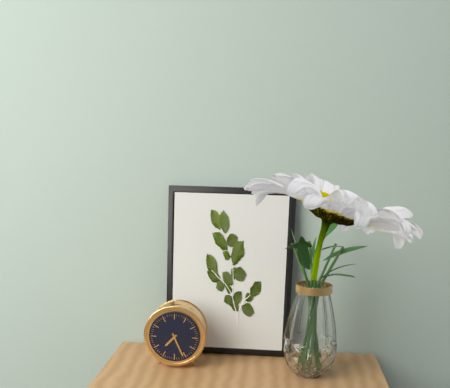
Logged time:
7h26
